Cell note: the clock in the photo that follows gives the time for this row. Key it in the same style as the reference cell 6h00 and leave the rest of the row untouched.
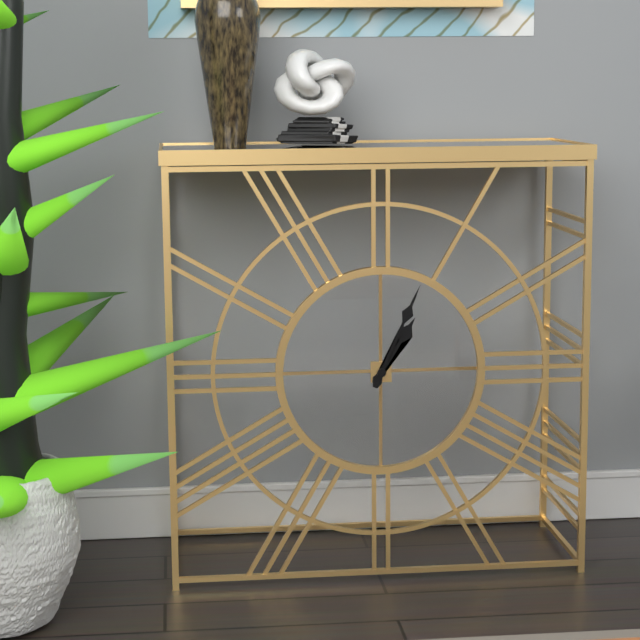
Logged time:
1h04
